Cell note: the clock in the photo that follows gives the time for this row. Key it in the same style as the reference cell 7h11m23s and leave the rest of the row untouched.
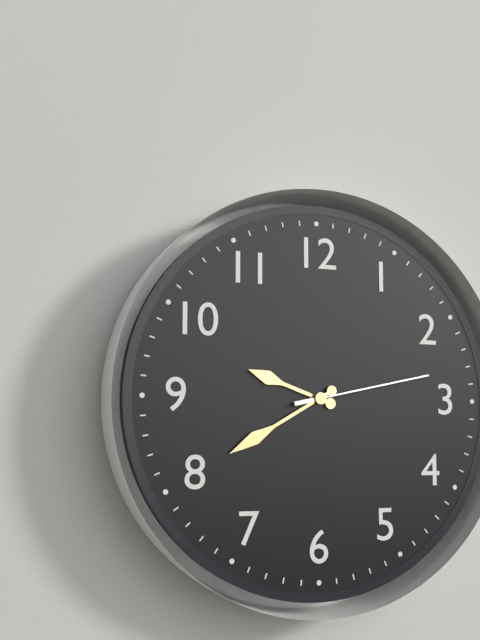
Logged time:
9h40m13s
